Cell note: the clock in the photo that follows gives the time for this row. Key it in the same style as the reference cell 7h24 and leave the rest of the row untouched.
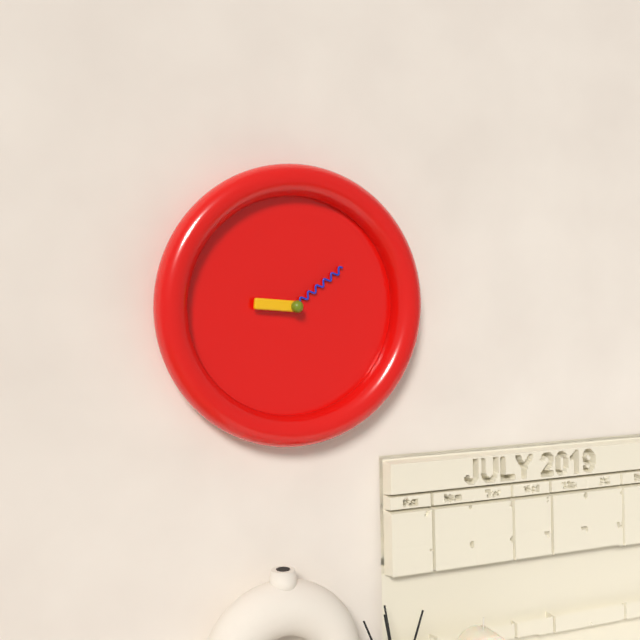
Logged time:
9h09
